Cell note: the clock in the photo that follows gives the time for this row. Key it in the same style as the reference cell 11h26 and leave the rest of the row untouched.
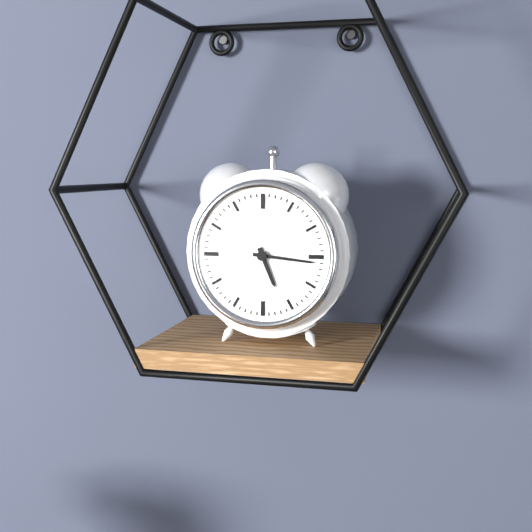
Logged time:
5h16
